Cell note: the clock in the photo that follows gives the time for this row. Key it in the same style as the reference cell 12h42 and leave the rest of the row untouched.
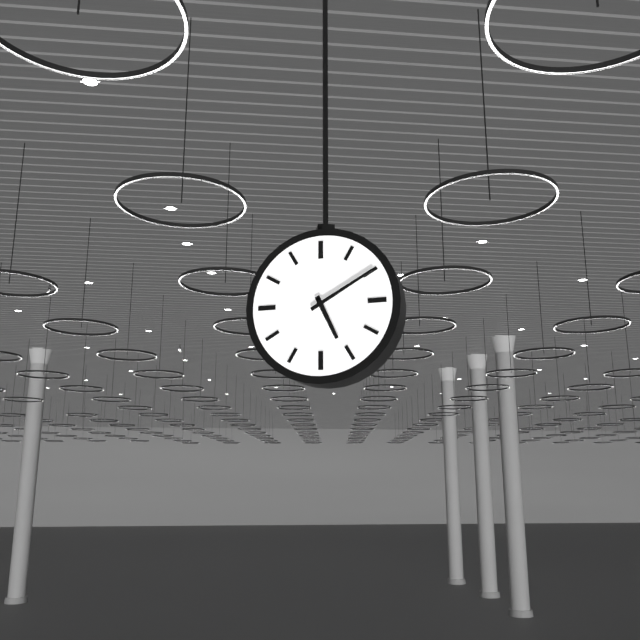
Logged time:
5h10
